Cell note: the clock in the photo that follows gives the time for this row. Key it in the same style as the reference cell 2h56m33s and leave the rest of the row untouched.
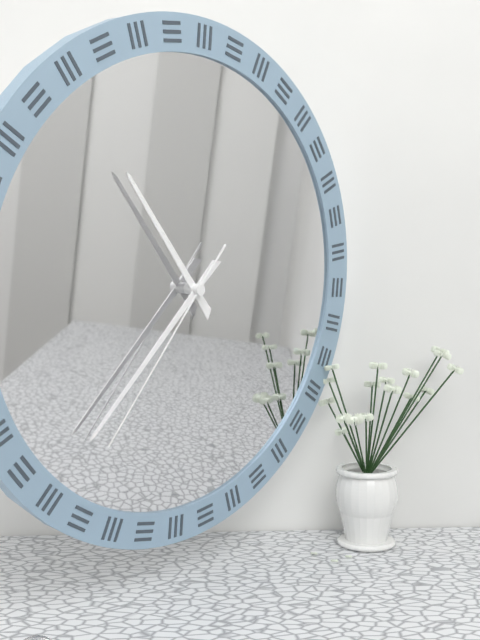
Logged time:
10h37m36s
